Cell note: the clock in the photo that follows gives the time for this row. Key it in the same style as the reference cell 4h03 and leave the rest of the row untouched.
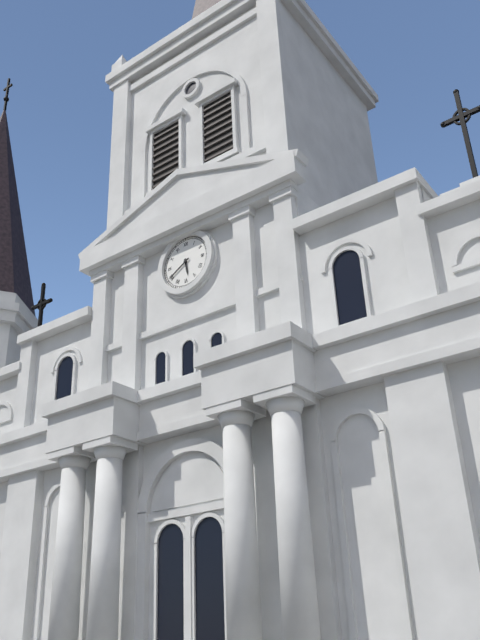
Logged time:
5h40
